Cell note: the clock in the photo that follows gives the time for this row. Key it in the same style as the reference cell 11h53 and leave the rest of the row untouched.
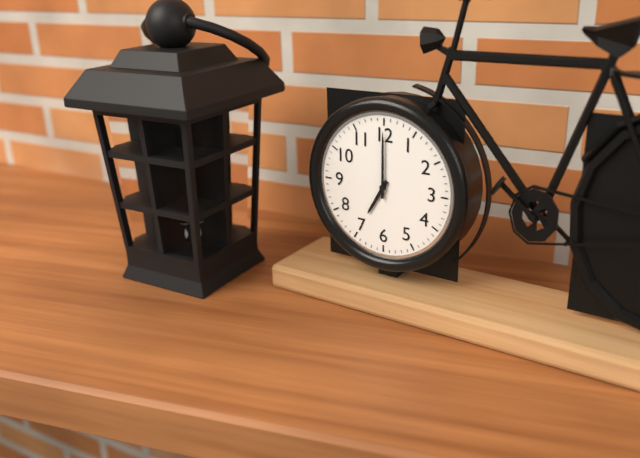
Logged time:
7h00
